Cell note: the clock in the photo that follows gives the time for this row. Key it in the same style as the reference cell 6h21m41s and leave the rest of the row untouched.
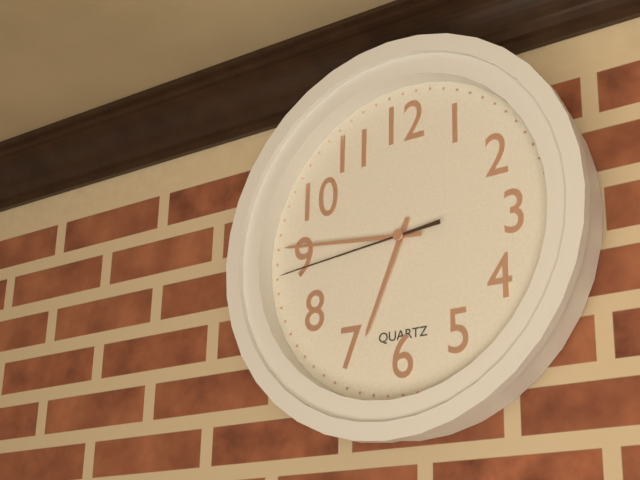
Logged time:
6h46m44s
